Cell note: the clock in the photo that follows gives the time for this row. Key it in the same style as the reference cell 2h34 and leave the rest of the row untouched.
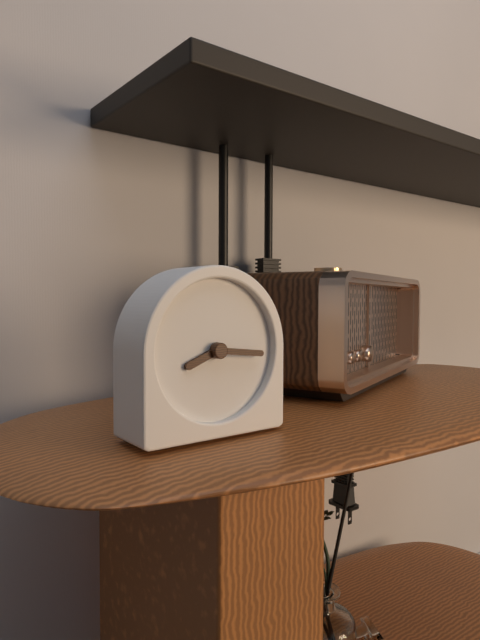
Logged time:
8h16
